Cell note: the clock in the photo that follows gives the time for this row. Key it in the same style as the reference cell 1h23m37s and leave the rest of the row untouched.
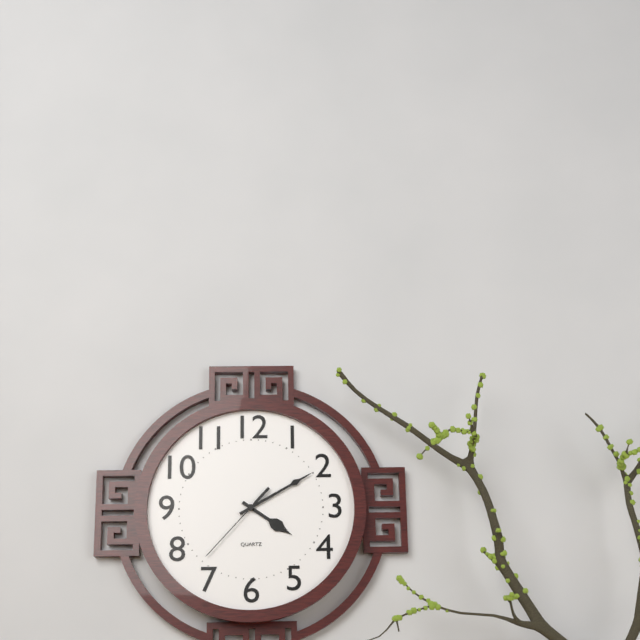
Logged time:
4h10m37s
